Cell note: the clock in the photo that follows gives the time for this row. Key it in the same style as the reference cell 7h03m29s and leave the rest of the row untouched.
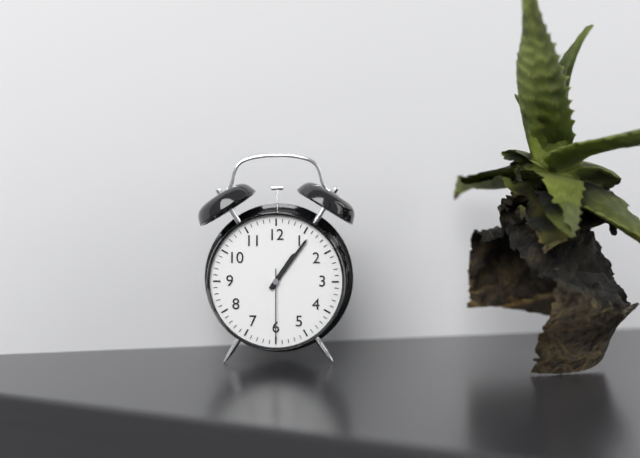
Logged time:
1h06m30s
